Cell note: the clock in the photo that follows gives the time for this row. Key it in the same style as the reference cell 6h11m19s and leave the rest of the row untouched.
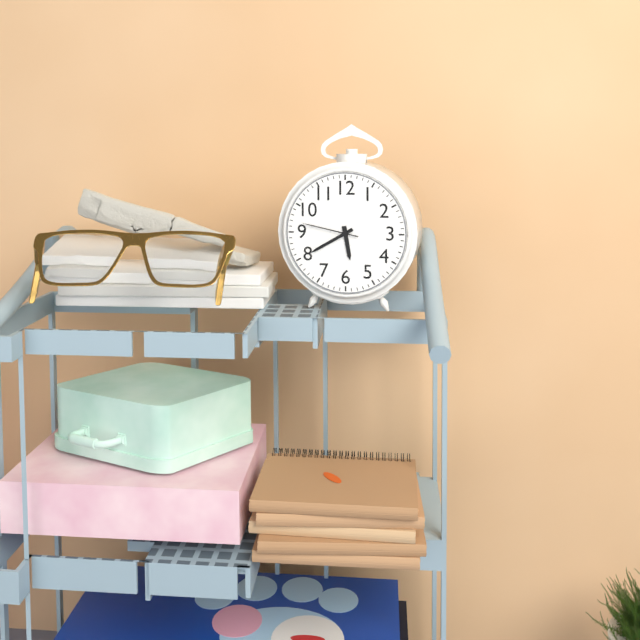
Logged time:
5h40m47s
